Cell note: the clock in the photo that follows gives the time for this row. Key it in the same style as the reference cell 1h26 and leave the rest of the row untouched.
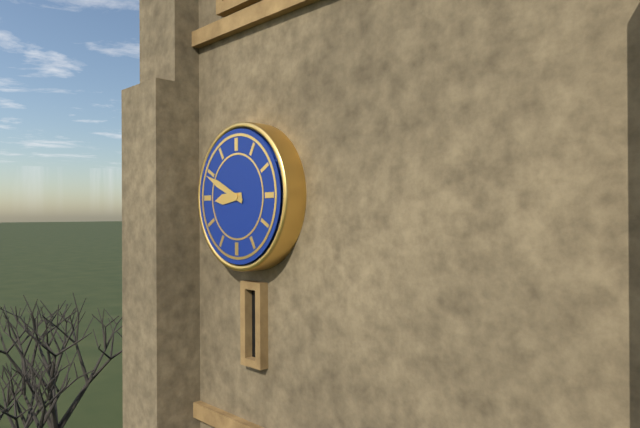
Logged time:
8h49
